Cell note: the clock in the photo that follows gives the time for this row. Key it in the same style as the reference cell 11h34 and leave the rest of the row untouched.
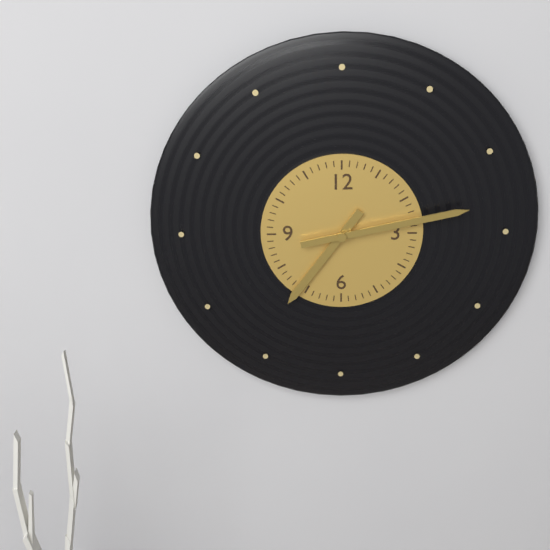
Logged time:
7h13
